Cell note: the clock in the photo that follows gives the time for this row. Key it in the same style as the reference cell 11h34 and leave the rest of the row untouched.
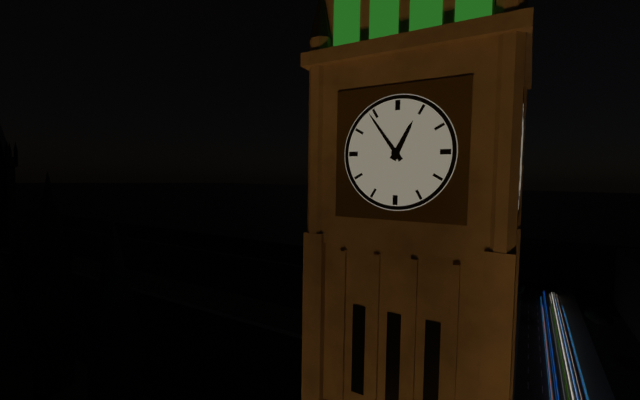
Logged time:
12h54
